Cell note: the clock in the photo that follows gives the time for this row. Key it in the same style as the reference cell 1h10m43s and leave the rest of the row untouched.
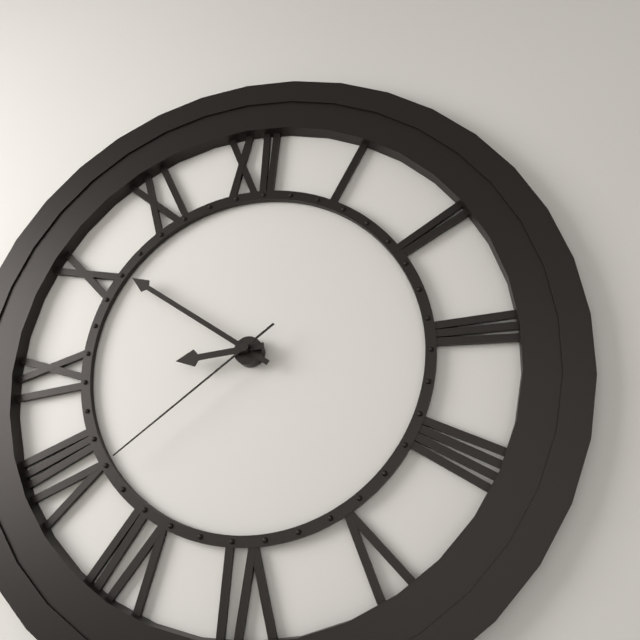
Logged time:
8h51m39s
